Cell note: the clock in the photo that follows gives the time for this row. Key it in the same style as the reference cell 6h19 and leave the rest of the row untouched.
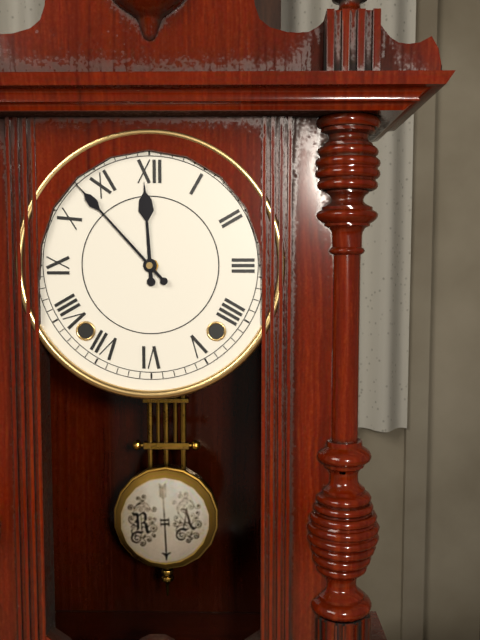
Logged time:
11h53
